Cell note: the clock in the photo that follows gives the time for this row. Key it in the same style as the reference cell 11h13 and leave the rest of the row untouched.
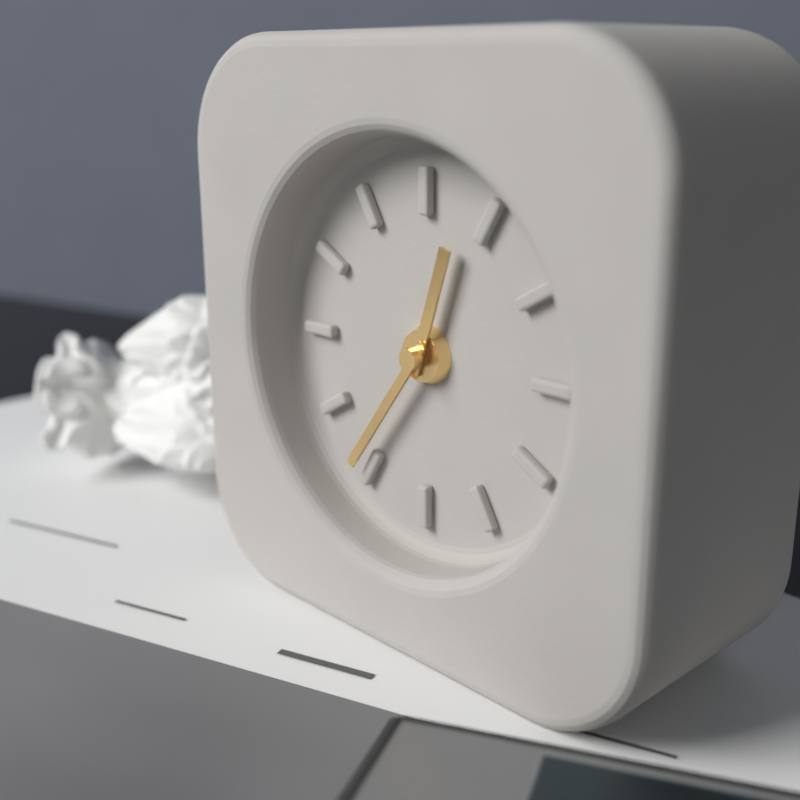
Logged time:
12h36
